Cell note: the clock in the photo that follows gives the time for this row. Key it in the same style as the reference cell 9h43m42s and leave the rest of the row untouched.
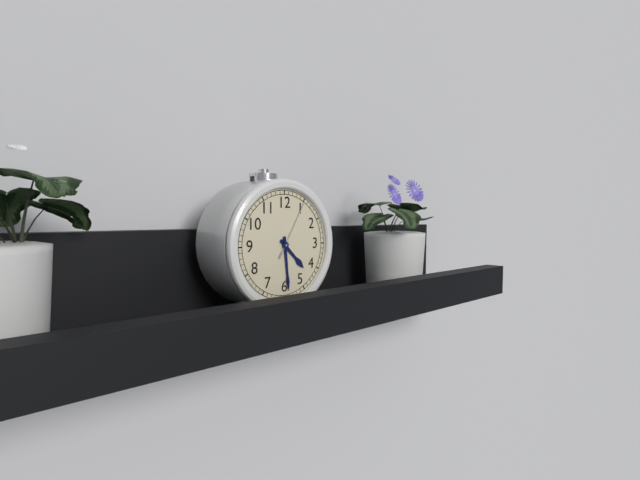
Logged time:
4h29m05s
